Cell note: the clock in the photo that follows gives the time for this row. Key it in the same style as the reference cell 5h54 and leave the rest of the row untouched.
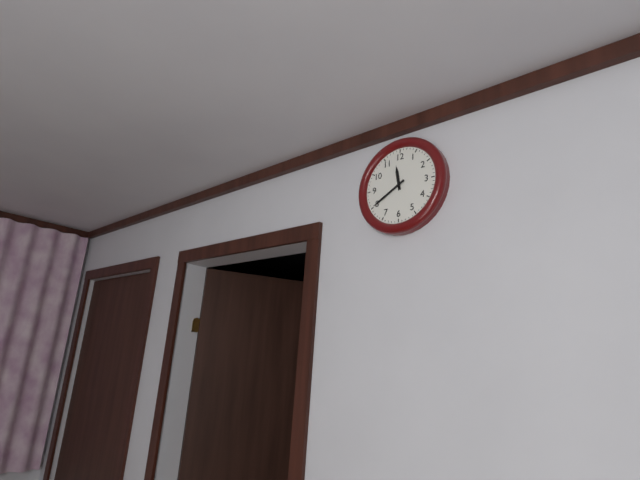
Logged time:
11h40
